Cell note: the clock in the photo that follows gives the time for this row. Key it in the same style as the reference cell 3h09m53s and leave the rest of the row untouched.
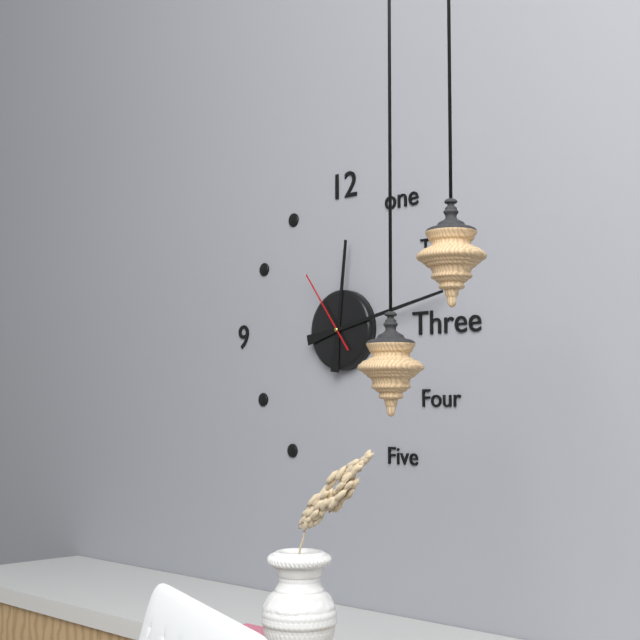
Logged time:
12h13m54s
